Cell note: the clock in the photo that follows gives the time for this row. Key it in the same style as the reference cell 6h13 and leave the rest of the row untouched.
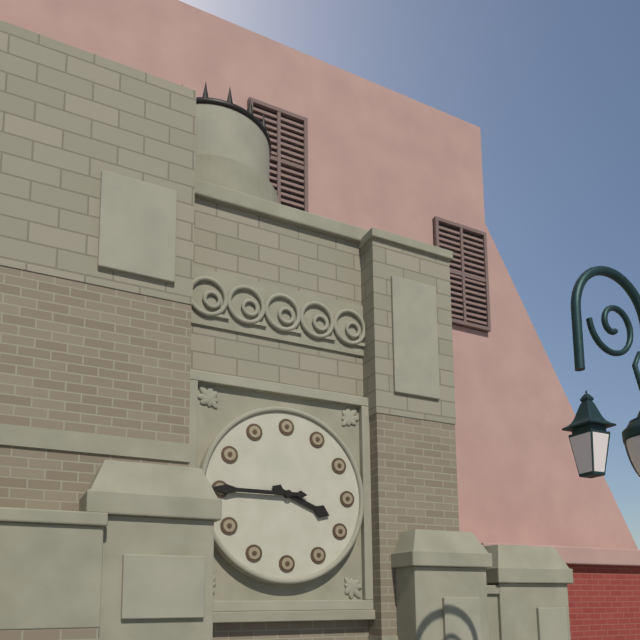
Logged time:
3h45
